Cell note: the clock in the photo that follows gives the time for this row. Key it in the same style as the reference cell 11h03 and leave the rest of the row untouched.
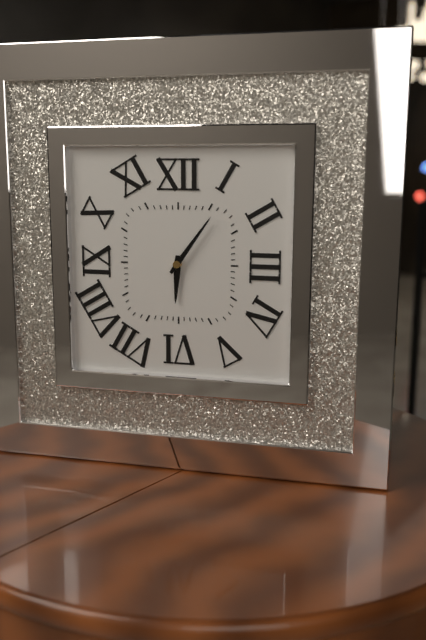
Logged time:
6h06
